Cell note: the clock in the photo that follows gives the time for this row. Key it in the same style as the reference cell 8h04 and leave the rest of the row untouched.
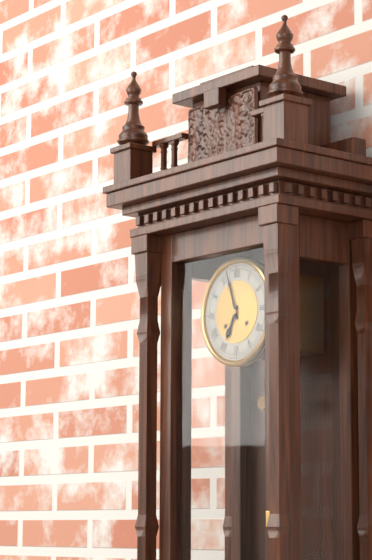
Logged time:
6h57
